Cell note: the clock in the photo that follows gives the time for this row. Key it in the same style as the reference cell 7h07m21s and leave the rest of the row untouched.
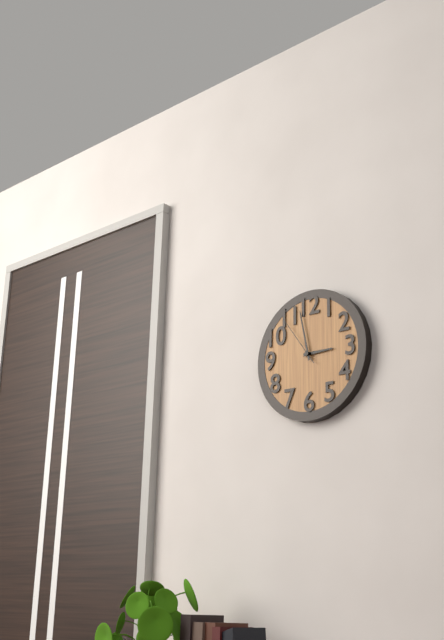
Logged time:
2h58m54s
